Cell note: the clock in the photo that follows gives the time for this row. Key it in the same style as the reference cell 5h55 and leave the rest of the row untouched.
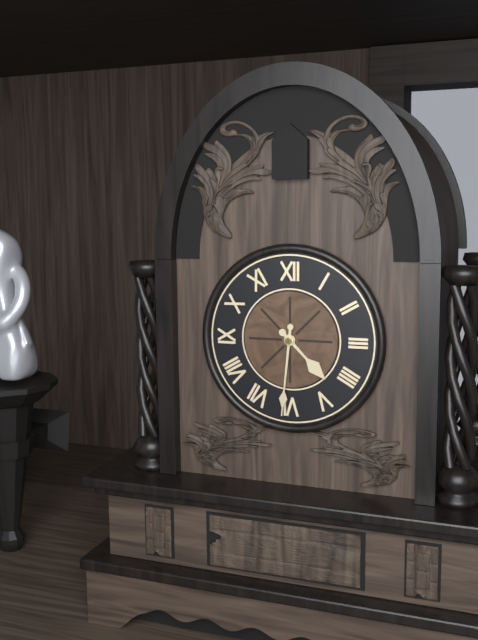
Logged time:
4h31
